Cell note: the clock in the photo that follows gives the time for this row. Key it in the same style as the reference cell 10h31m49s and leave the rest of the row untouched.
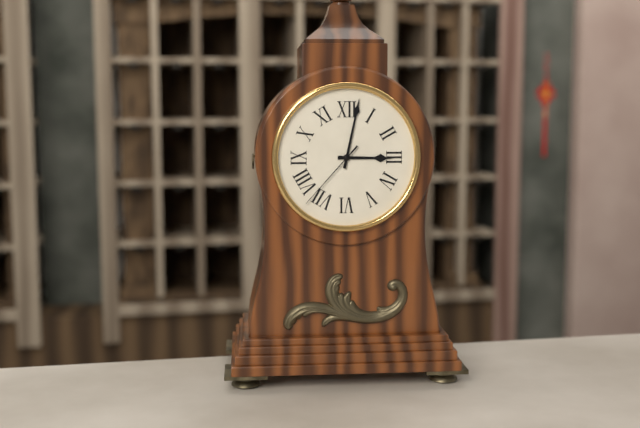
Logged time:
3h02m37s
